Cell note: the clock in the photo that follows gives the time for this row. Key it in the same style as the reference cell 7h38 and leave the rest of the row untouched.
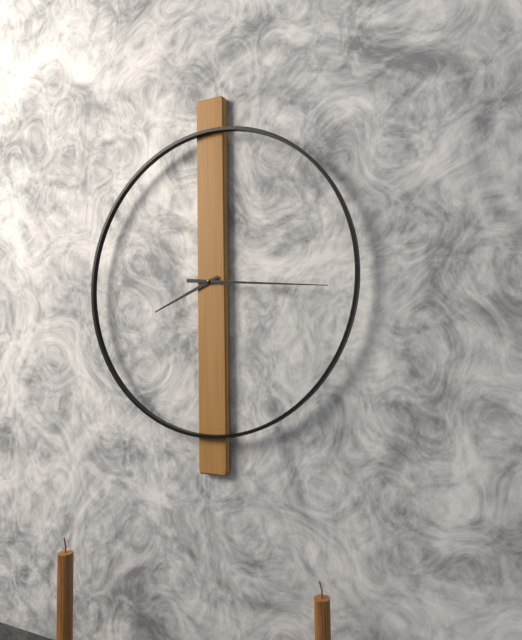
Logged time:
8h16
